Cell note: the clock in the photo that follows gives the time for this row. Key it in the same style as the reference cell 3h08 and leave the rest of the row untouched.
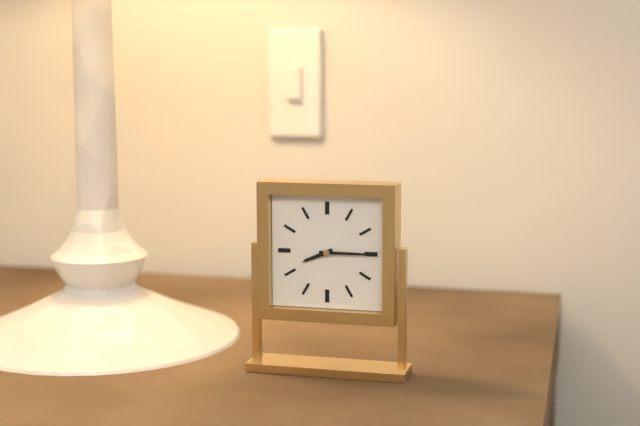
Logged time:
8h15
